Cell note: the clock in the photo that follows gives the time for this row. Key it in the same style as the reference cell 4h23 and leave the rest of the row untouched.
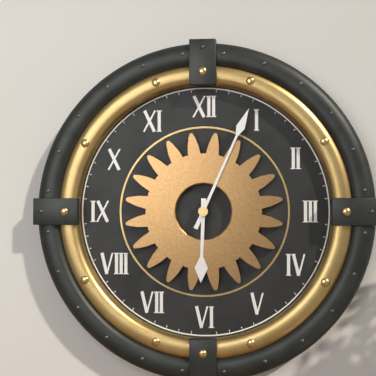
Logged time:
6h04
